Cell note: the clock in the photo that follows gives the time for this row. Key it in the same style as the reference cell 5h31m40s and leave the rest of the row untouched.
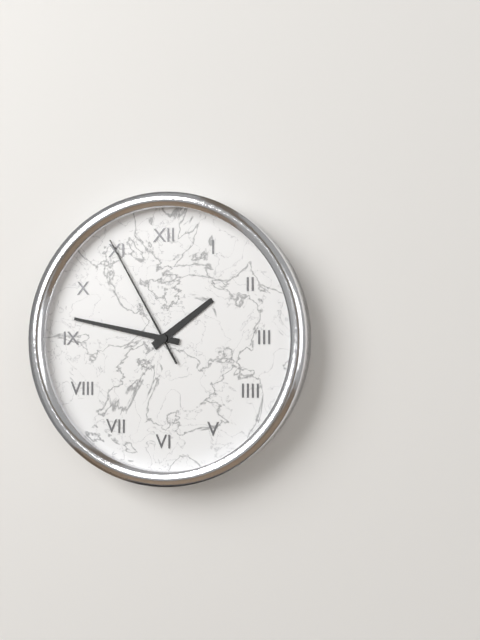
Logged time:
1h47m55s
